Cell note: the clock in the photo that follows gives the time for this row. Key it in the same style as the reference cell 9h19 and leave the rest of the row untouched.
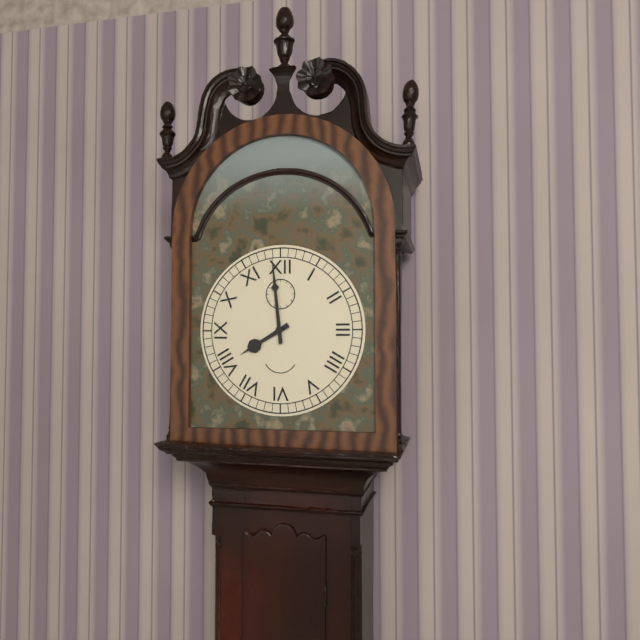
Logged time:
7h59
